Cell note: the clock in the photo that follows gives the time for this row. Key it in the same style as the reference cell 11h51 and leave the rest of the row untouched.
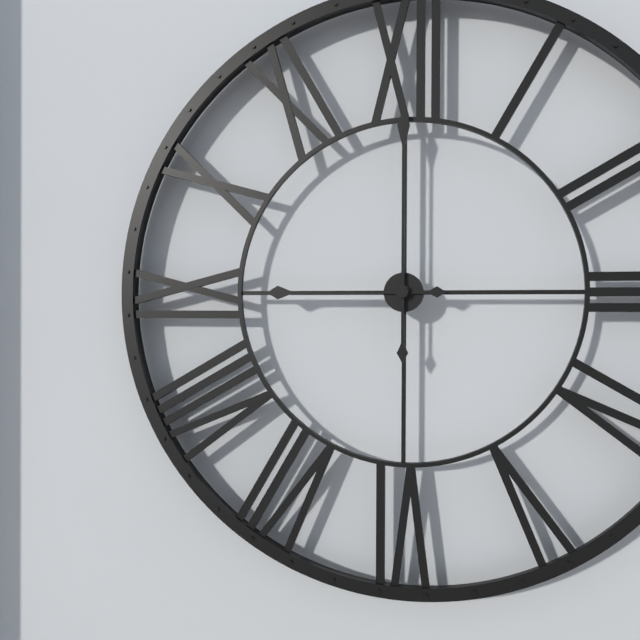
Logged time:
9h00
